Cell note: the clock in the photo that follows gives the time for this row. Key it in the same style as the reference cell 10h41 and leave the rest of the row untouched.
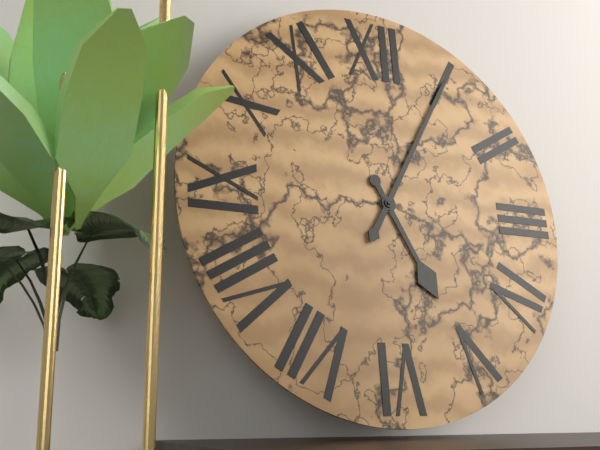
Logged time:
5h05
